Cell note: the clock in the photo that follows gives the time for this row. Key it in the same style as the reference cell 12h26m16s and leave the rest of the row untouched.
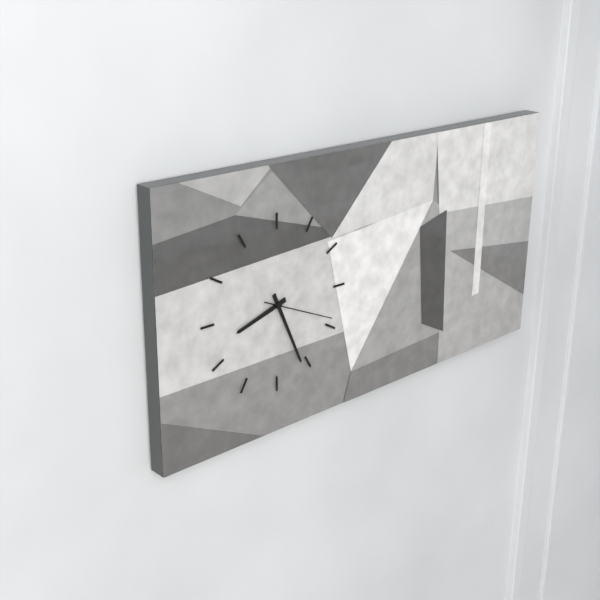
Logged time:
8h26m19s
